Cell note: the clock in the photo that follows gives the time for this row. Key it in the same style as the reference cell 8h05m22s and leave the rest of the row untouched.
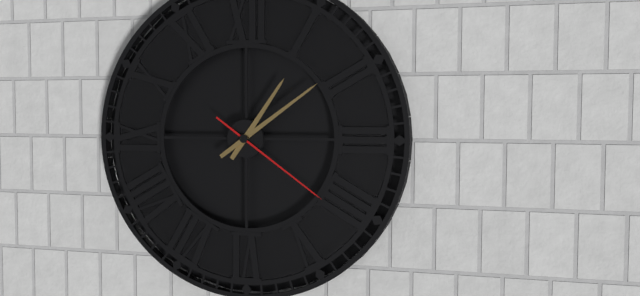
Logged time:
1h09m21s
